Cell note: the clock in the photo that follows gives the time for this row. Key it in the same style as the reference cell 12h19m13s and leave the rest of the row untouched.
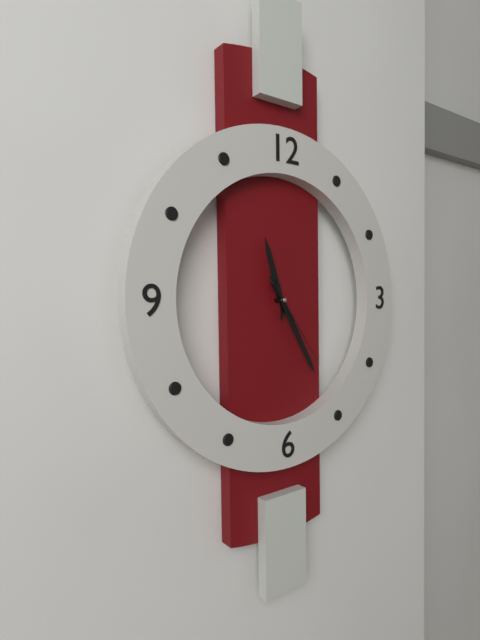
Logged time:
11h25m24s
